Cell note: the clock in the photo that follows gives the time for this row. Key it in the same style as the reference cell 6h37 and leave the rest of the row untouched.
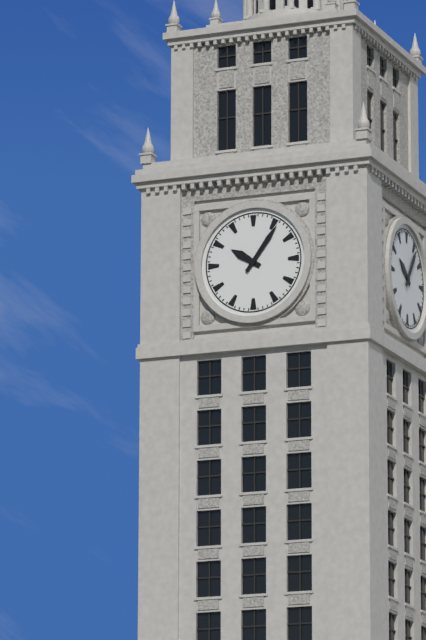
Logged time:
10h06
